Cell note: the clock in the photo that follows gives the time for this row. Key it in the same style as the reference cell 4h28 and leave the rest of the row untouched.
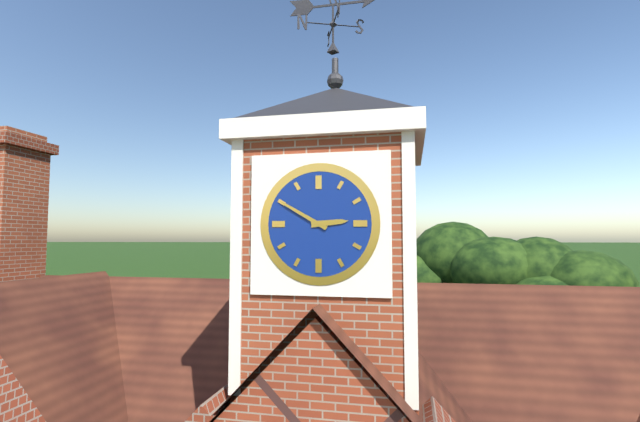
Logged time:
2h50
